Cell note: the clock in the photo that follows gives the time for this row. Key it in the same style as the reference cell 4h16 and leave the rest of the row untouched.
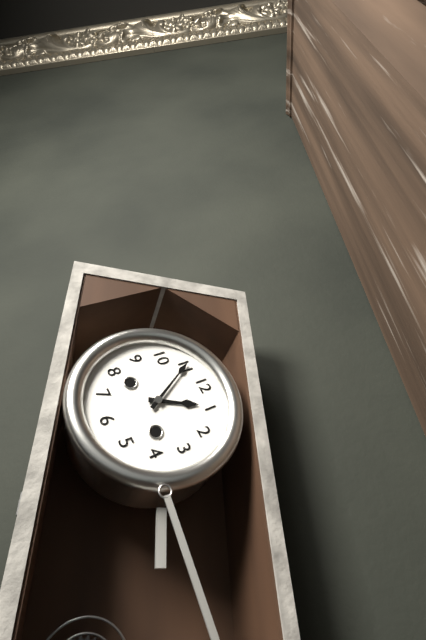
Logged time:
12h55
